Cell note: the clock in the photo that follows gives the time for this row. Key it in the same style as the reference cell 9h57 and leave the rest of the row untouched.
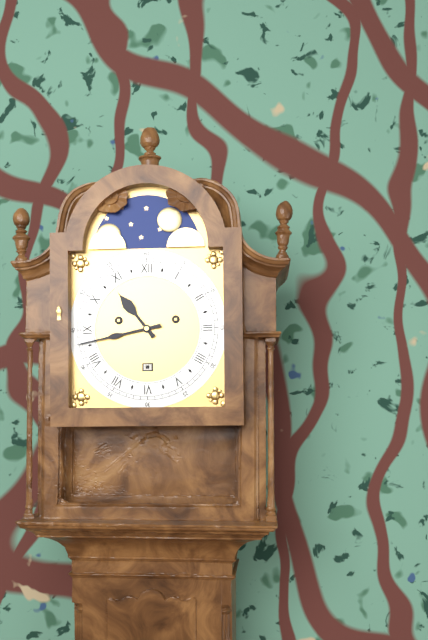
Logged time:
10h43
